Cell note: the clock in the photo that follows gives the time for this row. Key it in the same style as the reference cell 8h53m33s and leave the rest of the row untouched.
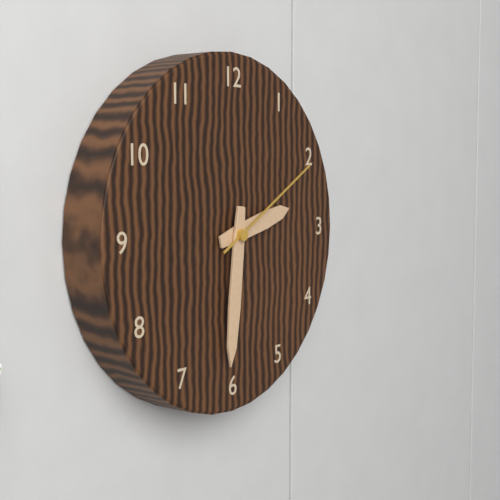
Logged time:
2h31m10s
